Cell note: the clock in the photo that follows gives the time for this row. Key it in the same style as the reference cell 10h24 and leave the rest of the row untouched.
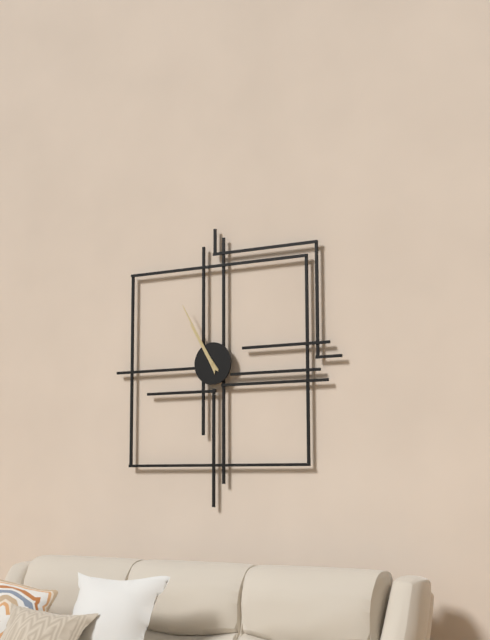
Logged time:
10h55
